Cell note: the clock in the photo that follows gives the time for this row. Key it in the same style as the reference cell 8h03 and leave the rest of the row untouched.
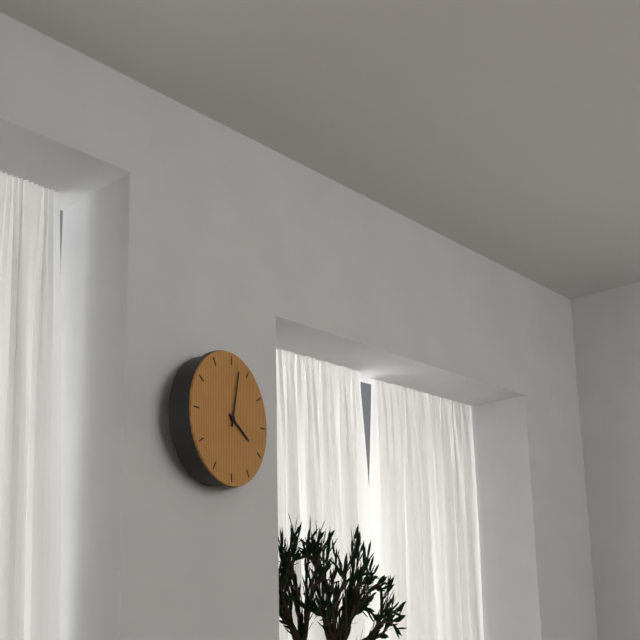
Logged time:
4h02
